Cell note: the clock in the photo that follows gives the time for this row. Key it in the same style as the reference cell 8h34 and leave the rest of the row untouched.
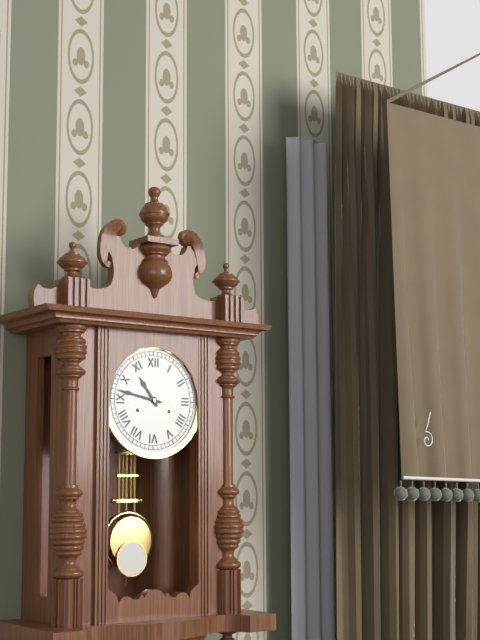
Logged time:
10h47
